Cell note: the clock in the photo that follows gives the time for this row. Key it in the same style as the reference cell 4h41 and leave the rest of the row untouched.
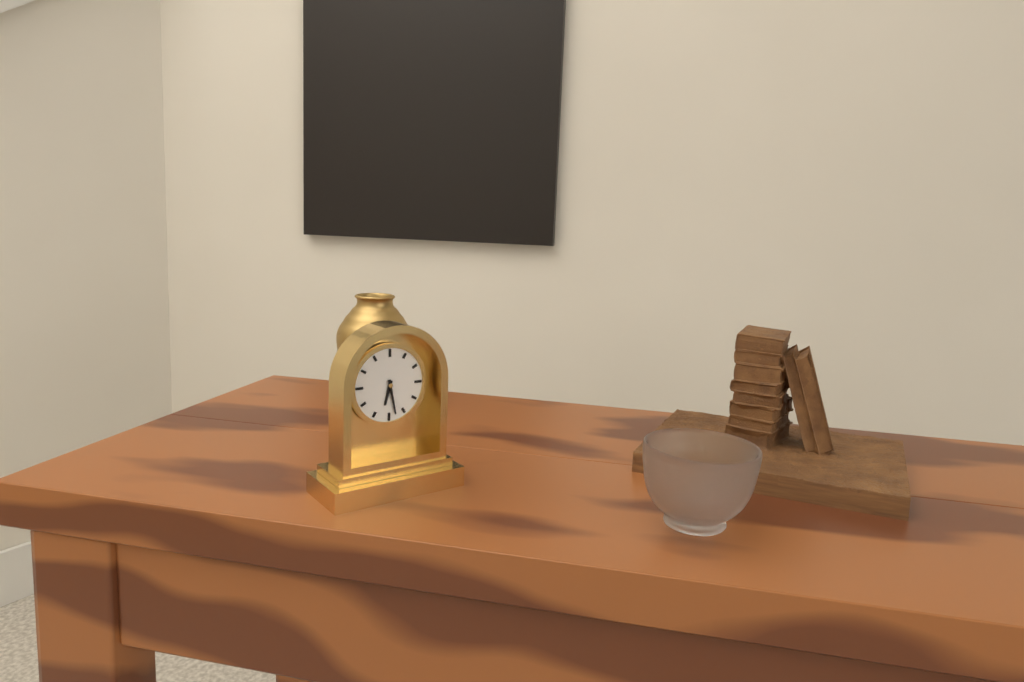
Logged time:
6h28
